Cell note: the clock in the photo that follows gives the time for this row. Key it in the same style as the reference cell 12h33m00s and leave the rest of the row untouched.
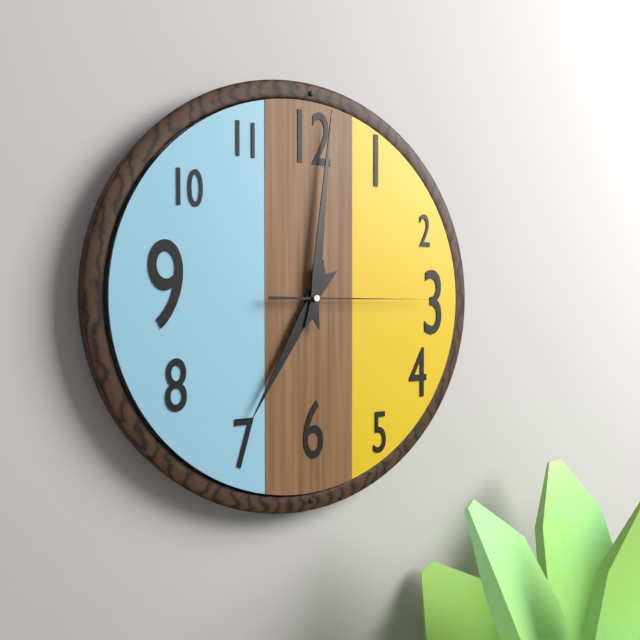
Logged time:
7h01m15s
